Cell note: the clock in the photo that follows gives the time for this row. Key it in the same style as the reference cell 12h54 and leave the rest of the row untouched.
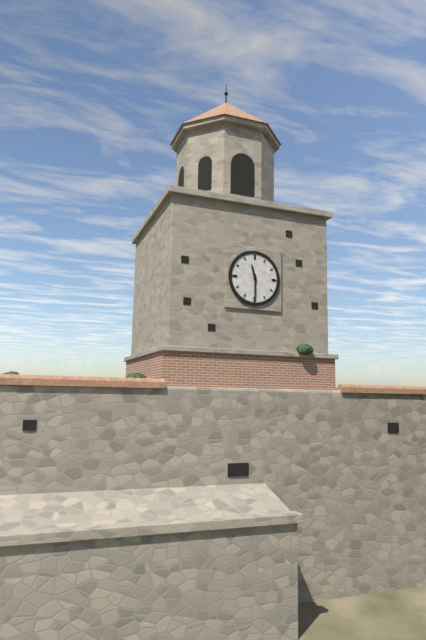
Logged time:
11h30
